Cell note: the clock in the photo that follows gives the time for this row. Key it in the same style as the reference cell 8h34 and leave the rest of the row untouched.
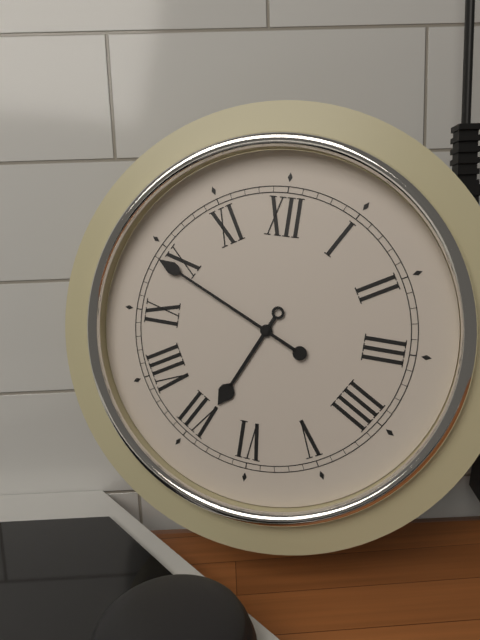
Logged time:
6h49
